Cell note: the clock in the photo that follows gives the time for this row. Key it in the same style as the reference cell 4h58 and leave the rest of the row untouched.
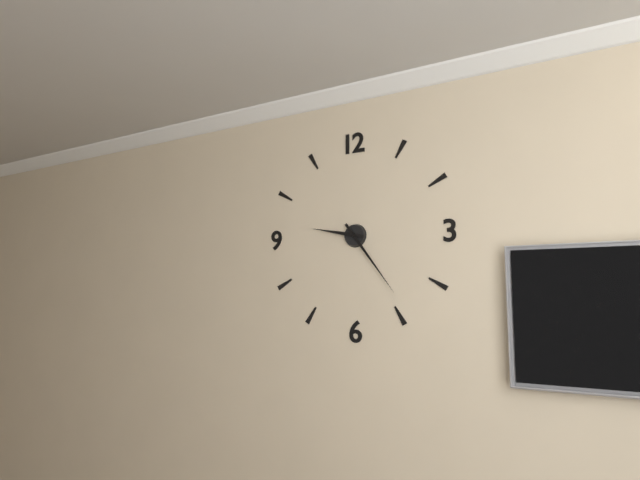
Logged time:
9h24
